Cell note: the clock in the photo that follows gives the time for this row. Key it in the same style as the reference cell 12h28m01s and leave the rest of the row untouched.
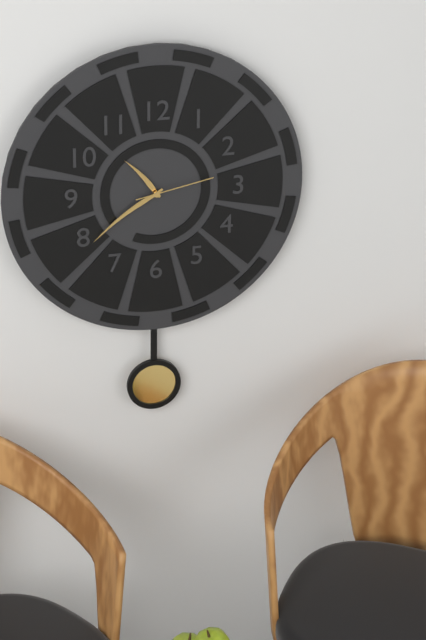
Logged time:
10h39m13s
